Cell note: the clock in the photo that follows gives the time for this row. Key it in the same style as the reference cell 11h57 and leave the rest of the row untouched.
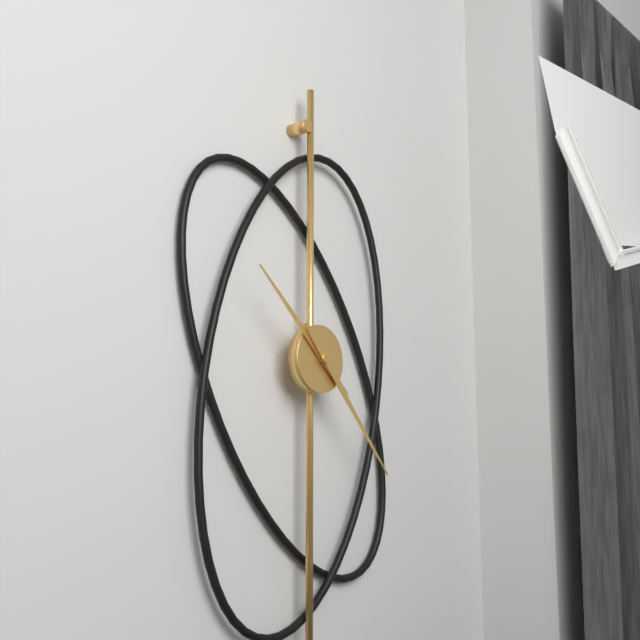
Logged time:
10h23
